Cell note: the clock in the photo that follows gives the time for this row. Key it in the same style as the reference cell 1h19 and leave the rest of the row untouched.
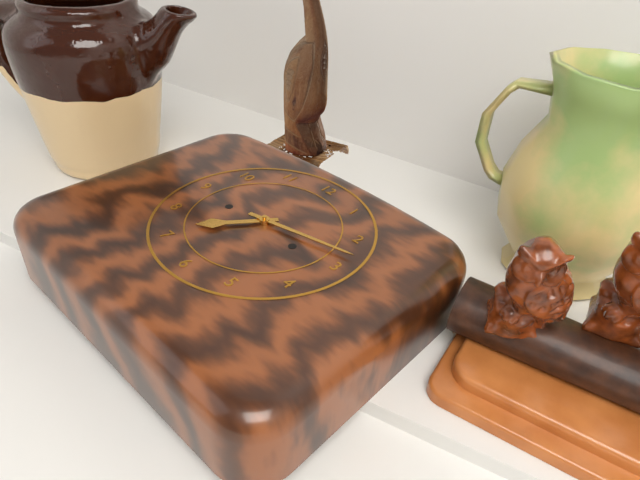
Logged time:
7h13
